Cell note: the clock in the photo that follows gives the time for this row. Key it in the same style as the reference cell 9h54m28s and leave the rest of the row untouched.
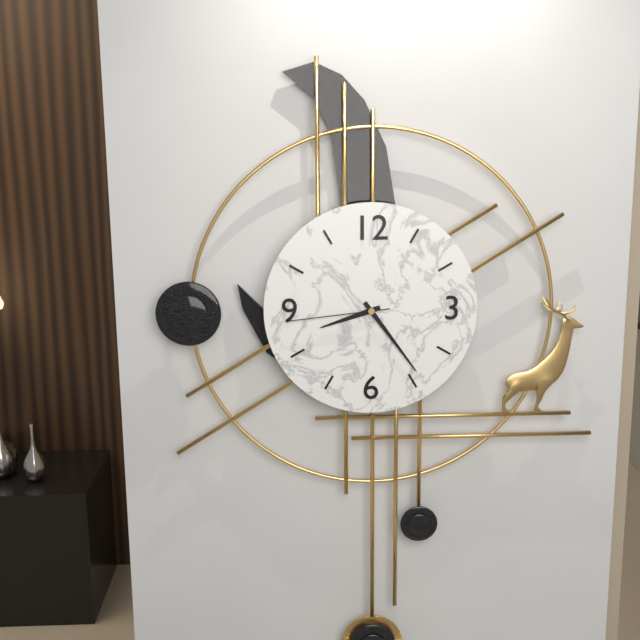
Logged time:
8h24m44s
